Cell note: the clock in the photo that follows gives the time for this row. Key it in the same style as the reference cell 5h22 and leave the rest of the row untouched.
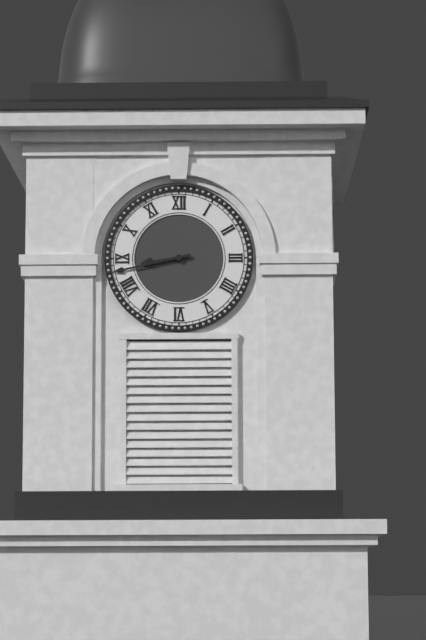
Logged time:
8h43
